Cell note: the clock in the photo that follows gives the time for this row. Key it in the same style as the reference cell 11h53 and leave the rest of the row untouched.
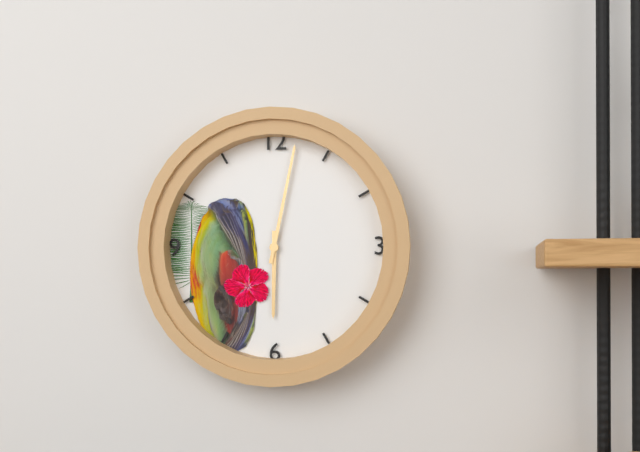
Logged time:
6h02
